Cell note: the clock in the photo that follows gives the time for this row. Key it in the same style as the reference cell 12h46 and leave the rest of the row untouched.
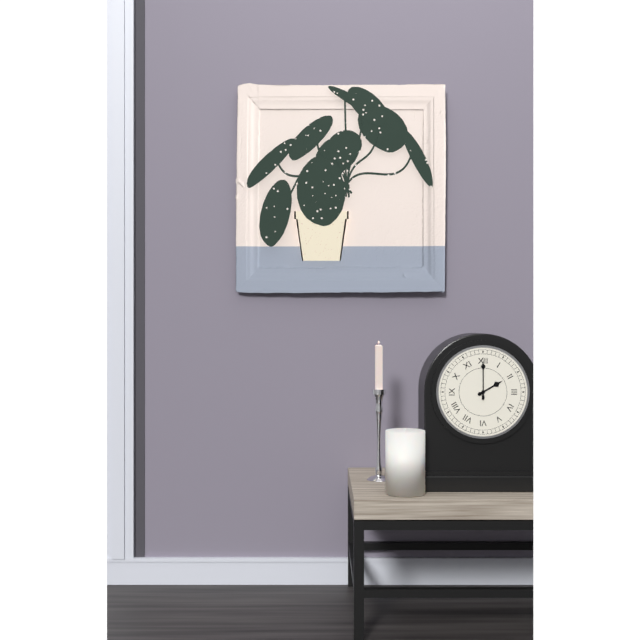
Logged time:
2h00
